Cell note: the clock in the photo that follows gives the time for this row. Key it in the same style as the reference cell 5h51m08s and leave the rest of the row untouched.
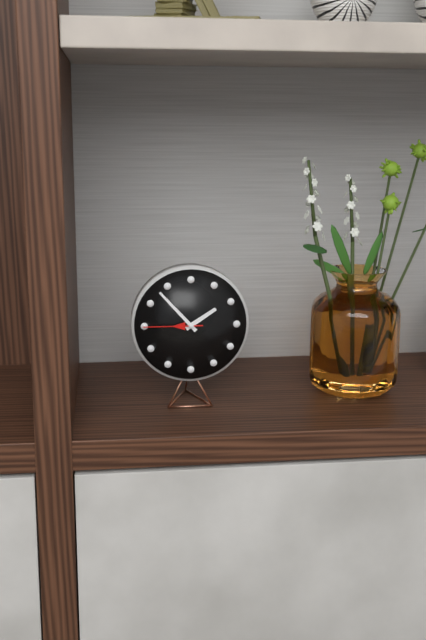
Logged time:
1h53m45s
